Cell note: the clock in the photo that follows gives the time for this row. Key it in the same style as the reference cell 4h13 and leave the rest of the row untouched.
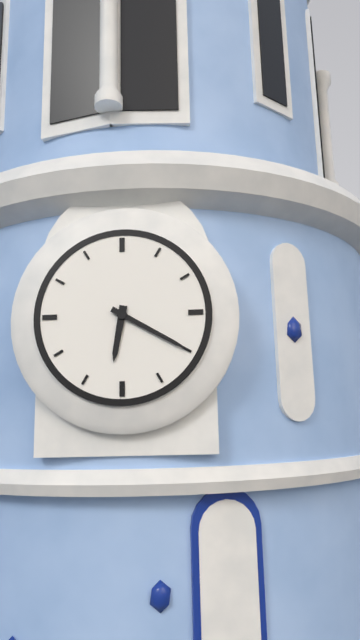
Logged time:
6h20
